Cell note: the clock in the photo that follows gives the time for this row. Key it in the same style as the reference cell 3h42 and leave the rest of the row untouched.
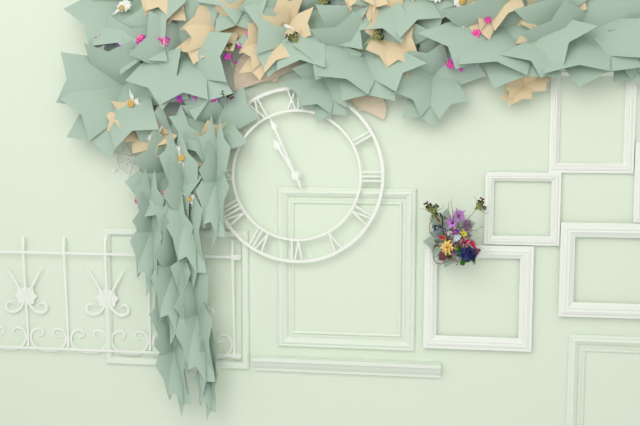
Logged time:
10h56
